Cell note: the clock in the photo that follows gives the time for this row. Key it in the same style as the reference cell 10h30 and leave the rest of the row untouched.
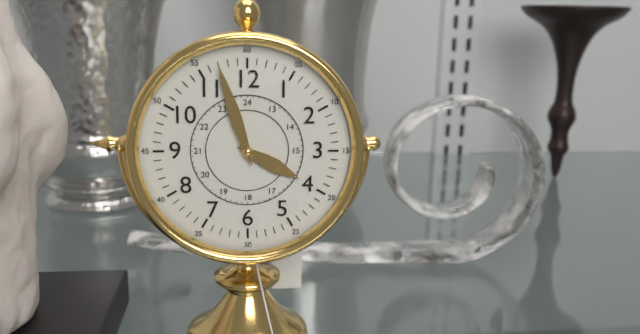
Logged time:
3h57
